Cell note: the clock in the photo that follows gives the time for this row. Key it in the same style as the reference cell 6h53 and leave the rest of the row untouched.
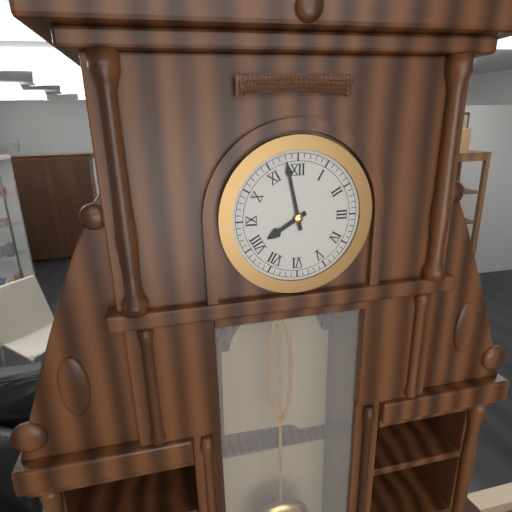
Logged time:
7h58
